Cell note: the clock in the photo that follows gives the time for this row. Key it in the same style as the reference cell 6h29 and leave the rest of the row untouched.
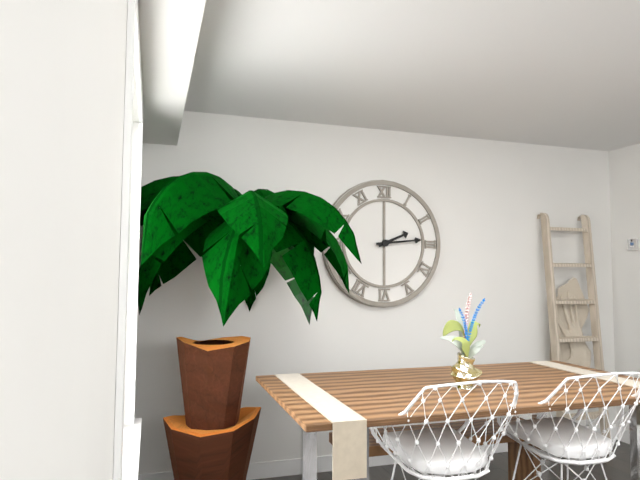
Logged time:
2h14
